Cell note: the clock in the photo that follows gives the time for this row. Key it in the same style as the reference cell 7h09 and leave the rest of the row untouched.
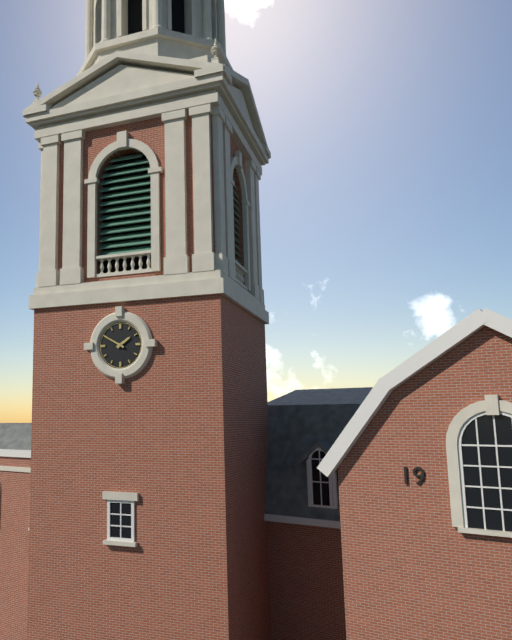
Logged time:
1h50
